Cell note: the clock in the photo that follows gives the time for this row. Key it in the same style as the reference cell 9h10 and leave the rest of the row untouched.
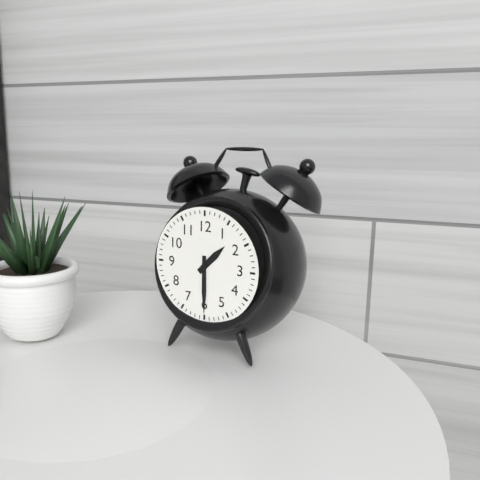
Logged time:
1h30
